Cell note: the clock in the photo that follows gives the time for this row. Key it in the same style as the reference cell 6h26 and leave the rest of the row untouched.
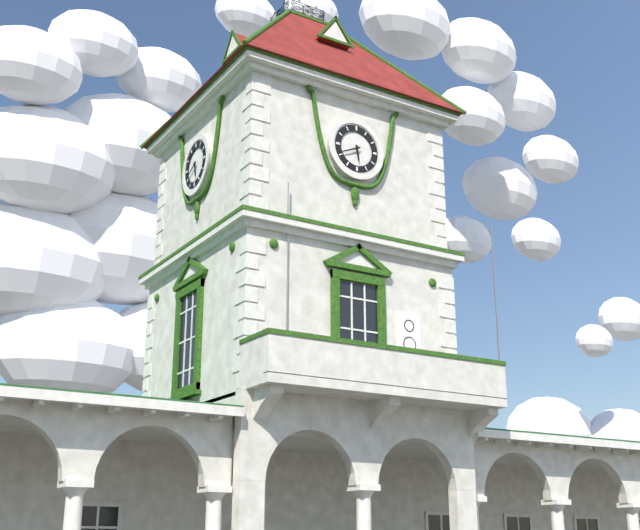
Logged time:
5h41
